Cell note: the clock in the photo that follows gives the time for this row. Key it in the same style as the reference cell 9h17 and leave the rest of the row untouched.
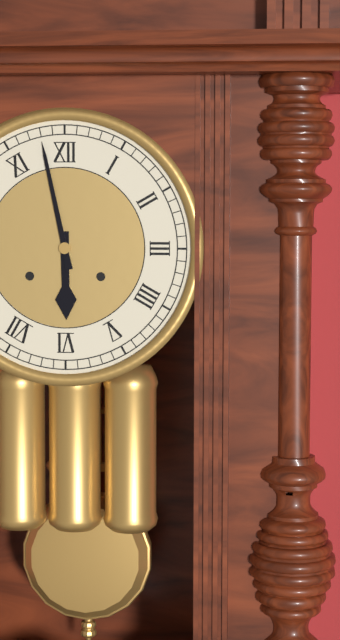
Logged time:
5h58
